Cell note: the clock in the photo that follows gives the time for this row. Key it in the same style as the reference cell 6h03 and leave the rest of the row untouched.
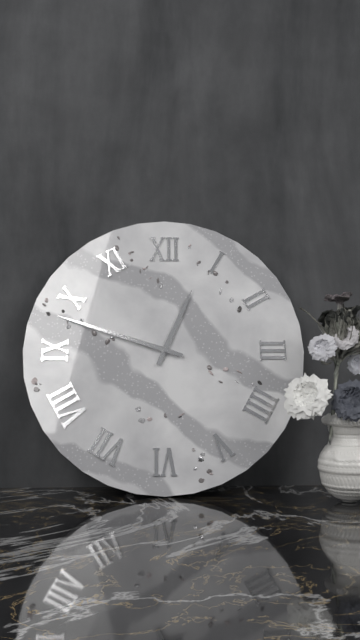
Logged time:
12h48
